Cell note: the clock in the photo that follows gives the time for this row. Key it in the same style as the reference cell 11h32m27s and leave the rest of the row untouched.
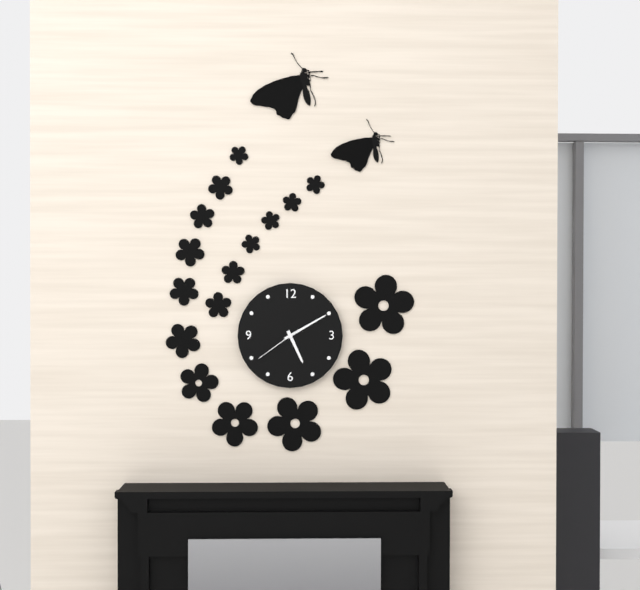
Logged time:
5h10m39s
